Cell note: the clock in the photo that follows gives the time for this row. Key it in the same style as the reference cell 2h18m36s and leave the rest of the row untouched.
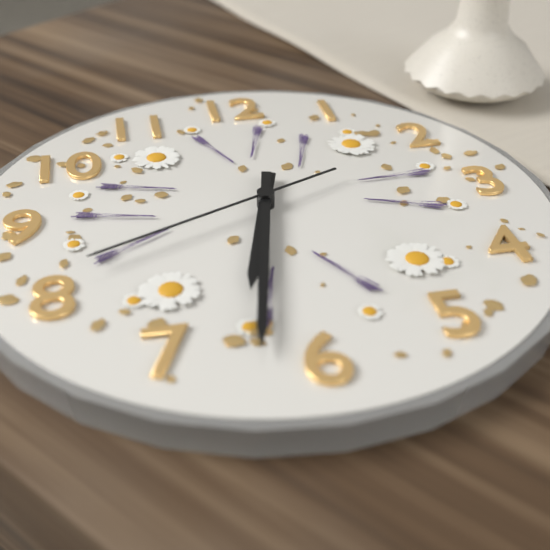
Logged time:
6h32m41s
